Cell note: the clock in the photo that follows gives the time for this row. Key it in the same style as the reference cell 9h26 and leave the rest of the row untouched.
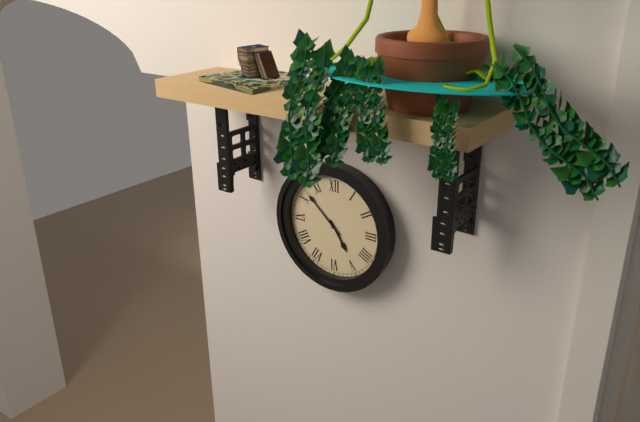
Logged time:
4h52
